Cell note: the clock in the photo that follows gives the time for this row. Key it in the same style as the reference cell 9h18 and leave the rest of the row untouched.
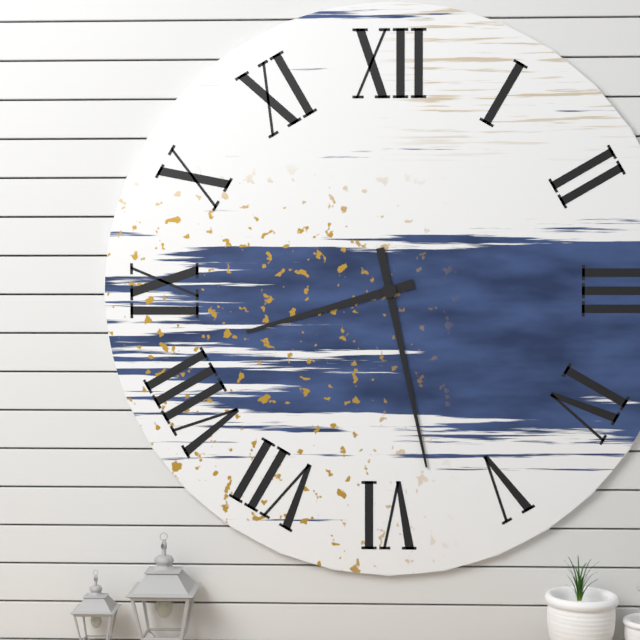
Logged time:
8h28
